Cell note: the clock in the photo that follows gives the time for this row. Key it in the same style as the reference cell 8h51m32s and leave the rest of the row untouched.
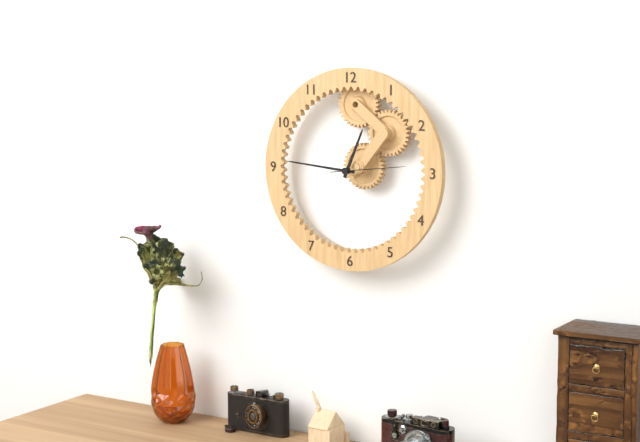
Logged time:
12h46m14s
